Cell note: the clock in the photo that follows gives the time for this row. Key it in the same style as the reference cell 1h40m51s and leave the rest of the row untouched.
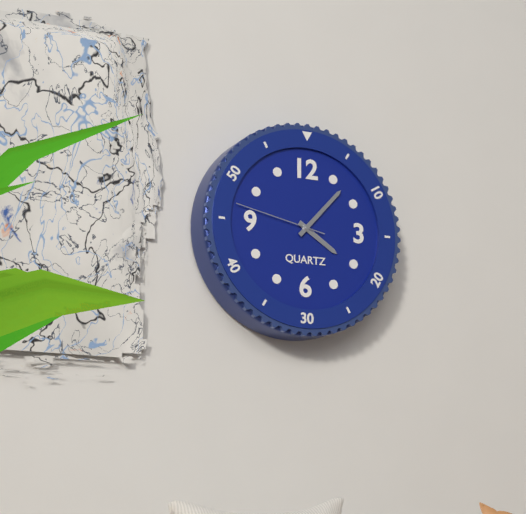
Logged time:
4h07m47s
